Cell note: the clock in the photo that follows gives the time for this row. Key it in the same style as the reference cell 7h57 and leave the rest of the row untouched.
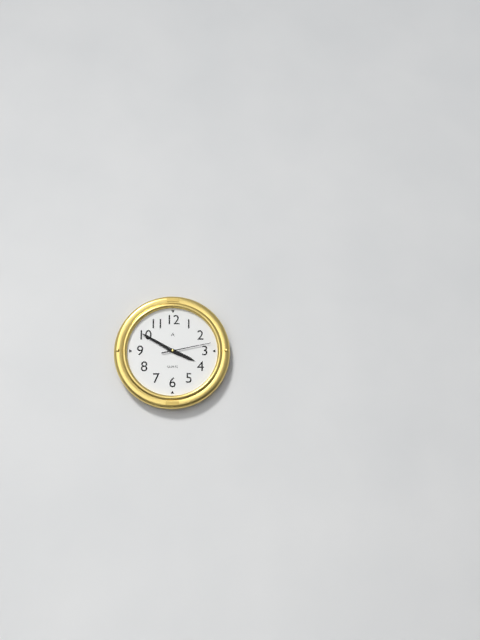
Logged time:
3h50
